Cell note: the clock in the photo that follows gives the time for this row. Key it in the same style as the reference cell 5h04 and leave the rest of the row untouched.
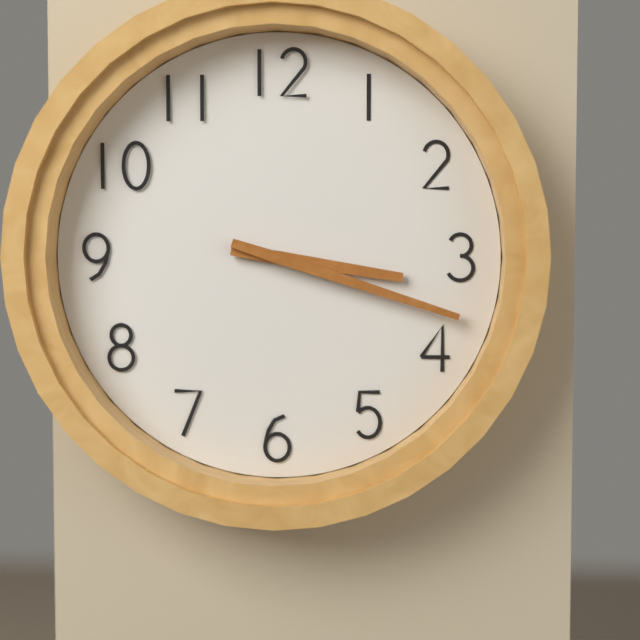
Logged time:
3h18
